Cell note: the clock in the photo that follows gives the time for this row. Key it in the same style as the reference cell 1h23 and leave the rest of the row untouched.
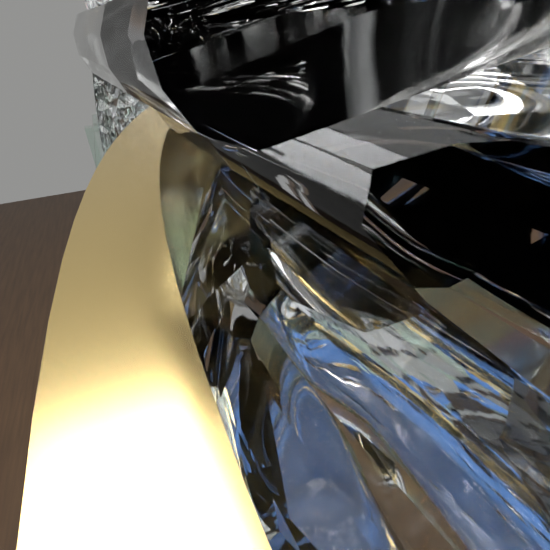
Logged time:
11h17
